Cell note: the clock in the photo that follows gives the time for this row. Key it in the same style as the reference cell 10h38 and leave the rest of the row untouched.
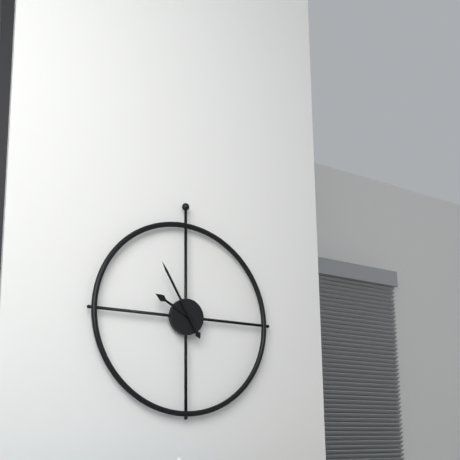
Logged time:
9h55
